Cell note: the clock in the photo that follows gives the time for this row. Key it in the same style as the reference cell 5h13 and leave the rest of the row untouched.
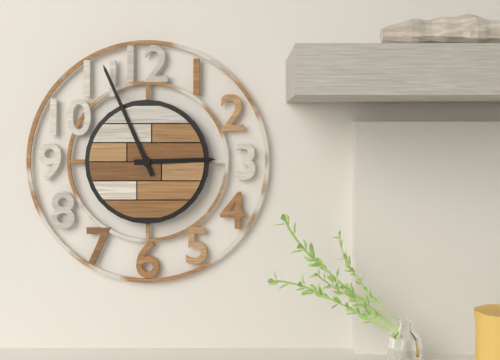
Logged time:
2h56
